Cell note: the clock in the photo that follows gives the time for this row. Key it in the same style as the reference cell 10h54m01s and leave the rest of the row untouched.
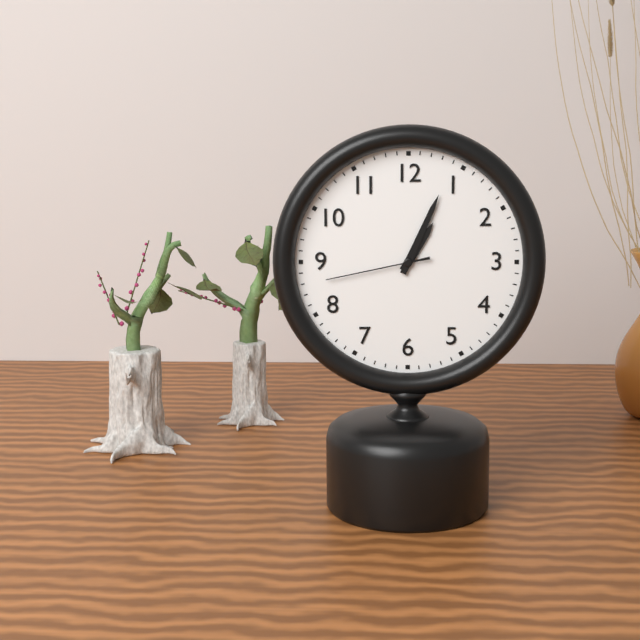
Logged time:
1h04m43s
